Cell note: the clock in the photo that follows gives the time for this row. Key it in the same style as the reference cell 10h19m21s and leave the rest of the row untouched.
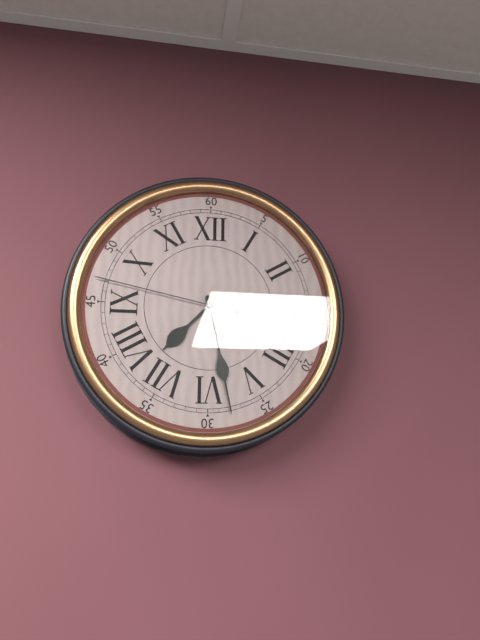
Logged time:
7h28m47s
